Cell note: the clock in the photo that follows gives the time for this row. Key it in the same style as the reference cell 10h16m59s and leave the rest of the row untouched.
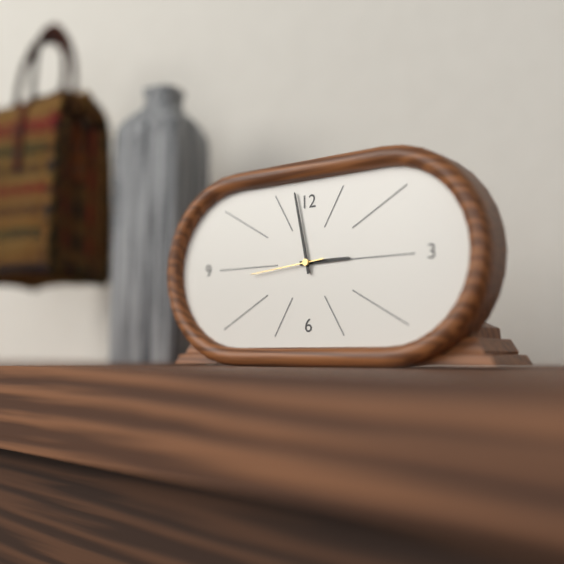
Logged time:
2h58m44s
